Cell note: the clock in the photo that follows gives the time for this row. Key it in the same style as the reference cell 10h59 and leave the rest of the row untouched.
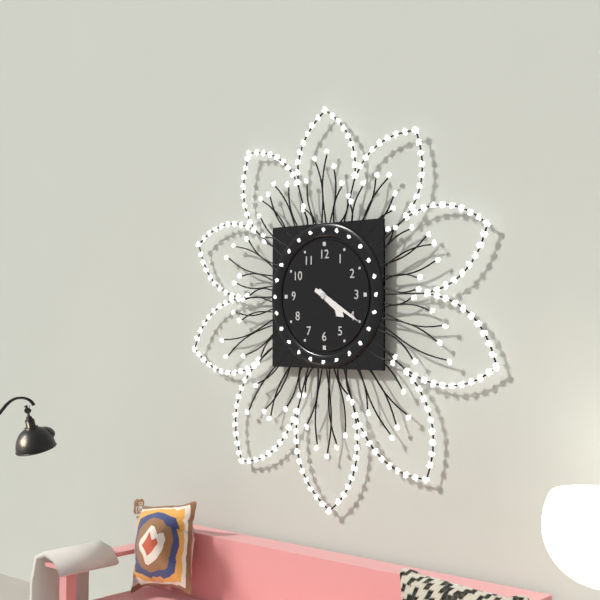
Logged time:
4h20
